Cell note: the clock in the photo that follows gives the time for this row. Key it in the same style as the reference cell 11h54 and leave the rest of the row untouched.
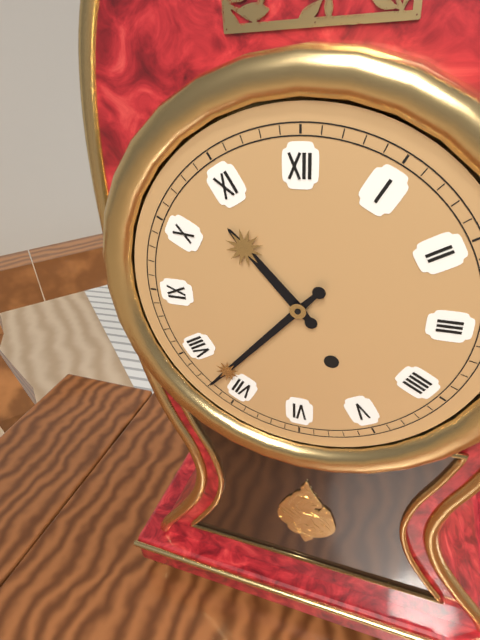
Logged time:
10h37
